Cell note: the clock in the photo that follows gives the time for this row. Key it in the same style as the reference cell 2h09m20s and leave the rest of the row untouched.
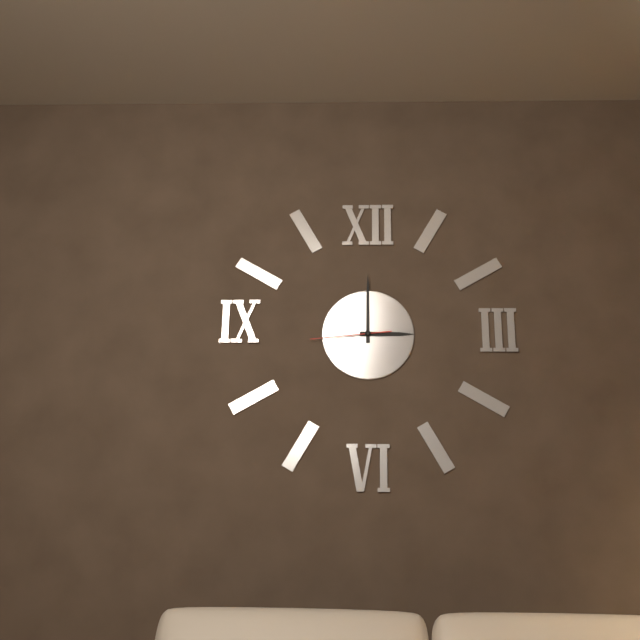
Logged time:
3h00m44s
